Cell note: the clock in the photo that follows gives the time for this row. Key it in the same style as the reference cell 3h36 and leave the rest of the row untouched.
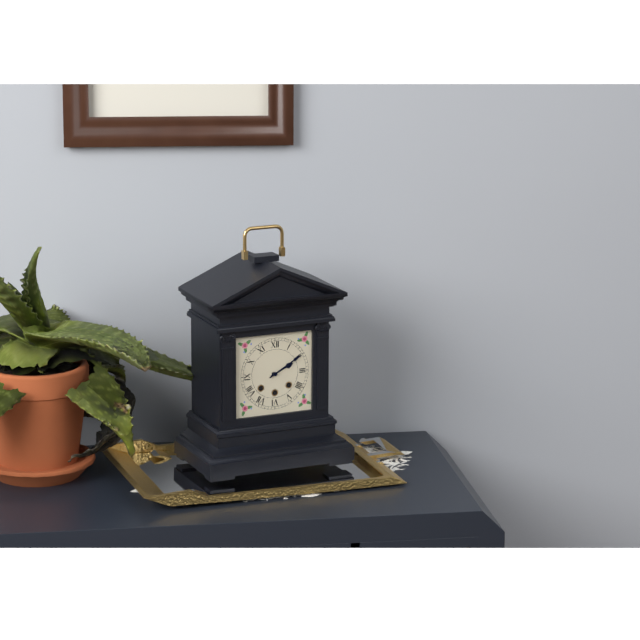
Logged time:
2h10
